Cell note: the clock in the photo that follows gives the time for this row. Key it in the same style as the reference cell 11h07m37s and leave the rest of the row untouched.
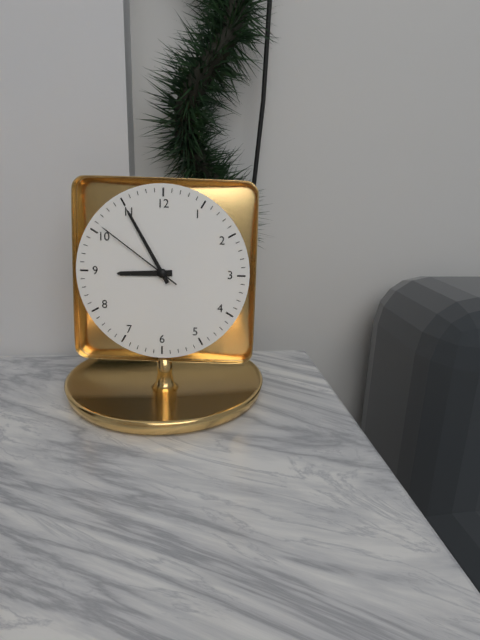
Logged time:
8h55m51s
